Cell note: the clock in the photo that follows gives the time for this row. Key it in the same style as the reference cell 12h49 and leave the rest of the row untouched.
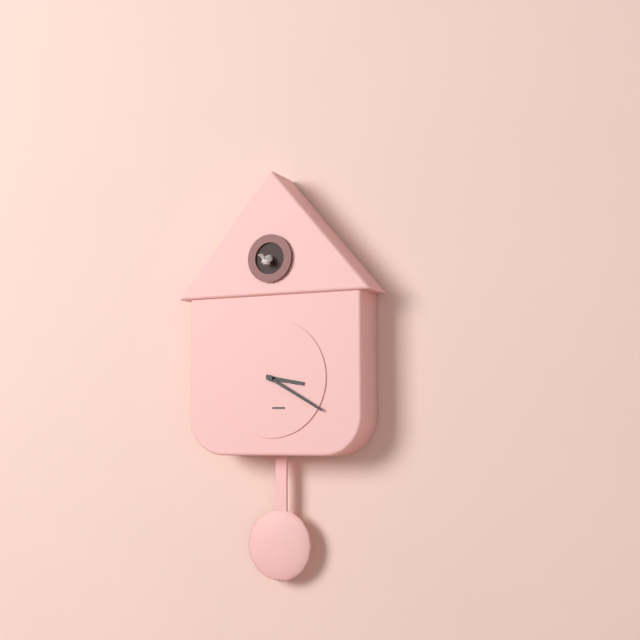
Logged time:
3h20
